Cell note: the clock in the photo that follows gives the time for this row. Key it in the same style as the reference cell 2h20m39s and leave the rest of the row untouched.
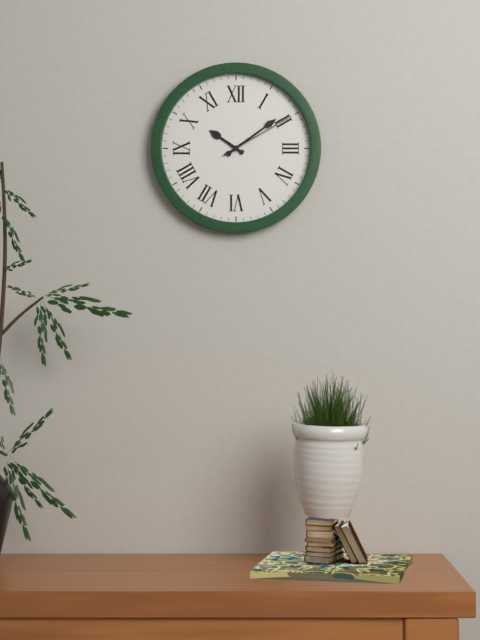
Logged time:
10h09m10s
